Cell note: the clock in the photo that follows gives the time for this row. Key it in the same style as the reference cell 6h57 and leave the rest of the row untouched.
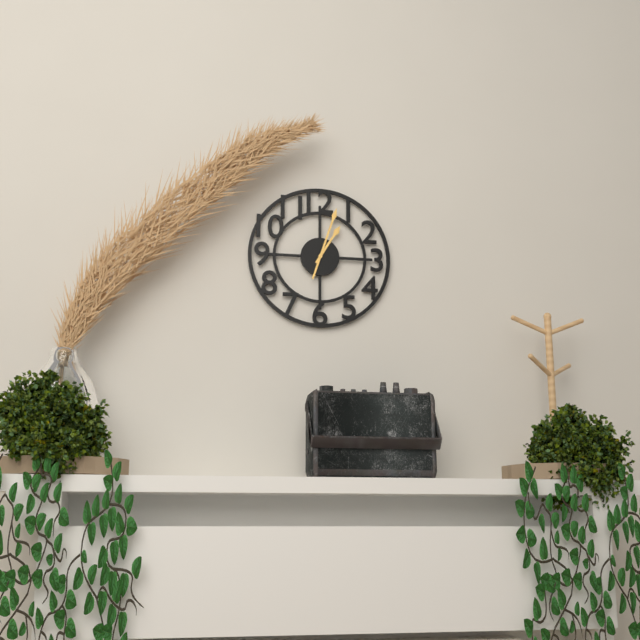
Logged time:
1h03
